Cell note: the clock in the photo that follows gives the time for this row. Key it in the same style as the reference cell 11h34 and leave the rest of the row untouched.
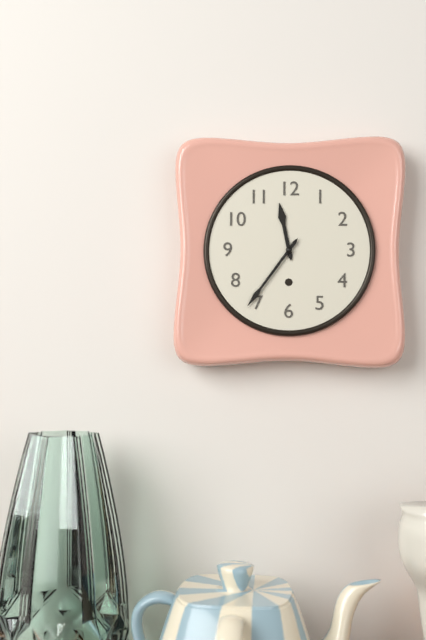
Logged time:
11h36
